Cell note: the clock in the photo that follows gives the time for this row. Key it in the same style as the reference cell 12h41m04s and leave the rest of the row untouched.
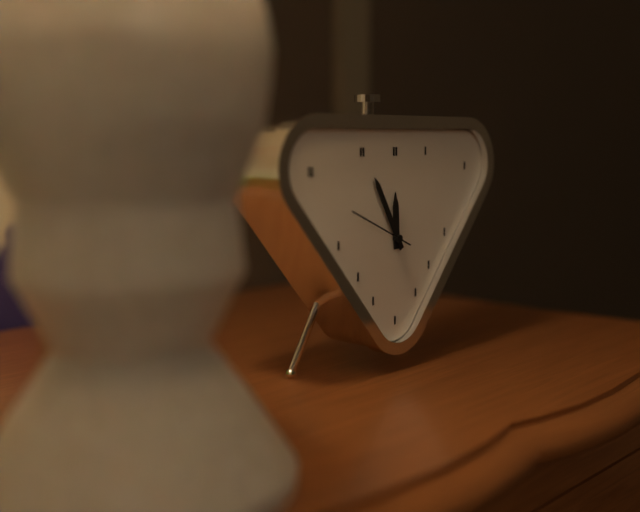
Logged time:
11h55m49s
